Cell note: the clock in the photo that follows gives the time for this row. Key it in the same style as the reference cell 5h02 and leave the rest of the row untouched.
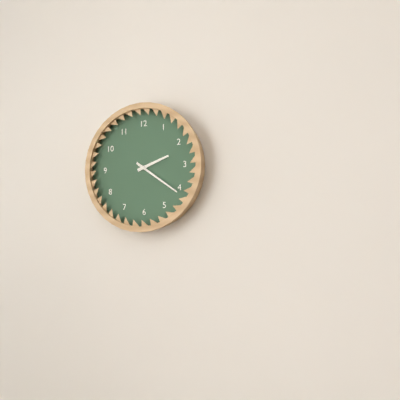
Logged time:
2h21
